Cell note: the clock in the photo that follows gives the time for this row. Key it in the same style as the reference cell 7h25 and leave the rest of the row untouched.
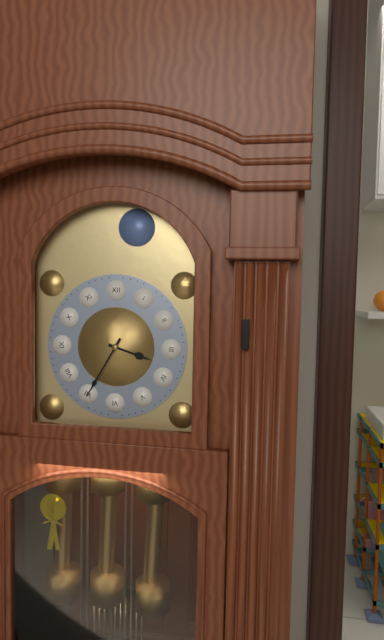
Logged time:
3h35
